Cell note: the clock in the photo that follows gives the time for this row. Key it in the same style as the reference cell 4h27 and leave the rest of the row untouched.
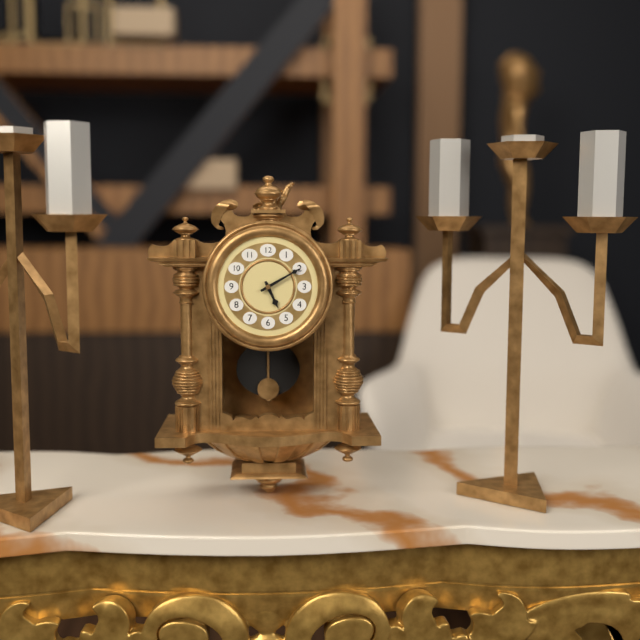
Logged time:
5h10
